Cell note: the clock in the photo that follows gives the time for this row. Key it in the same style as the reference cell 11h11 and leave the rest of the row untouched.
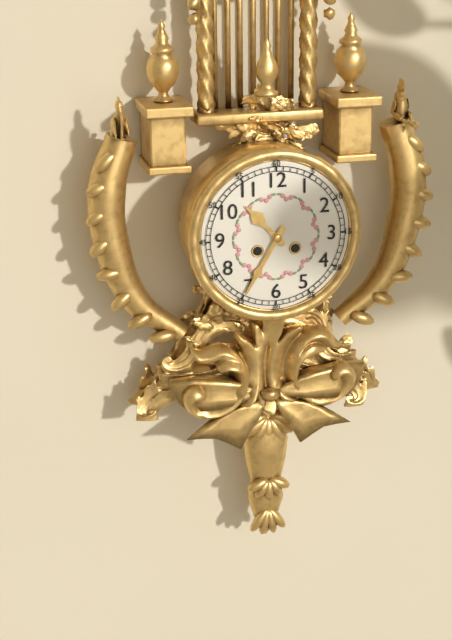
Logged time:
10h35
